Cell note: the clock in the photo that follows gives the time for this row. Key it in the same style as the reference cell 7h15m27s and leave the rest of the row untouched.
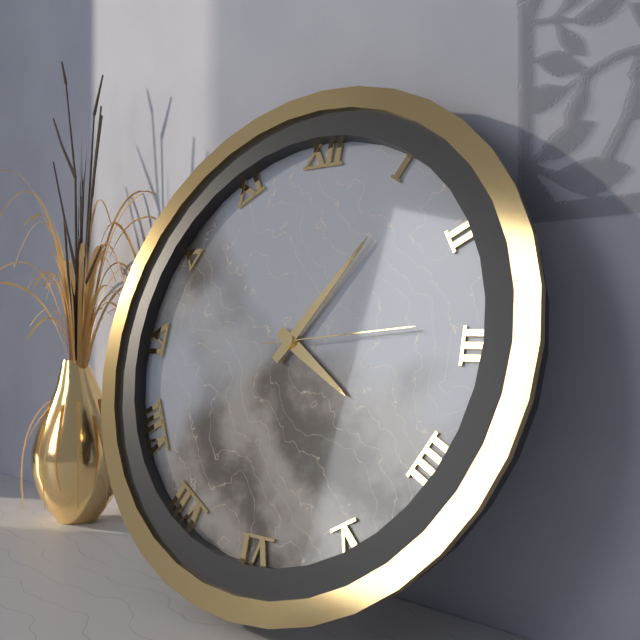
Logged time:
4h06m14s
